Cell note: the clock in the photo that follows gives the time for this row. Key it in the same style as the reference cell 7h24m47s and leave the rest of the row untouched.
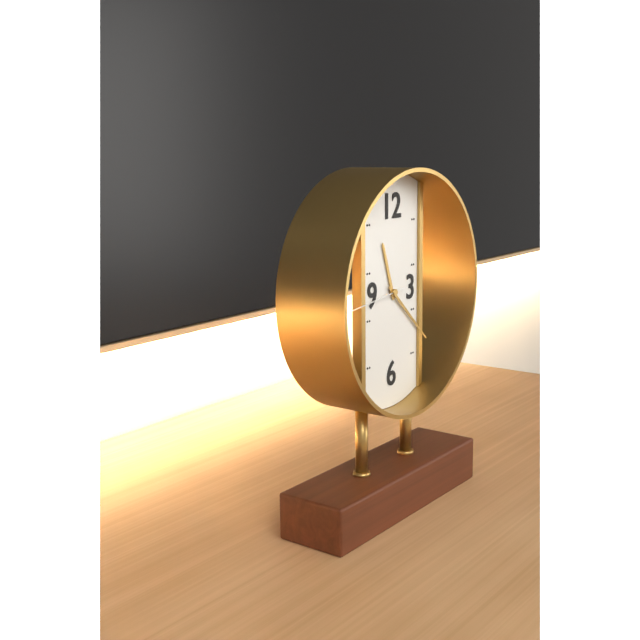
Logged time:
11h22m44s
